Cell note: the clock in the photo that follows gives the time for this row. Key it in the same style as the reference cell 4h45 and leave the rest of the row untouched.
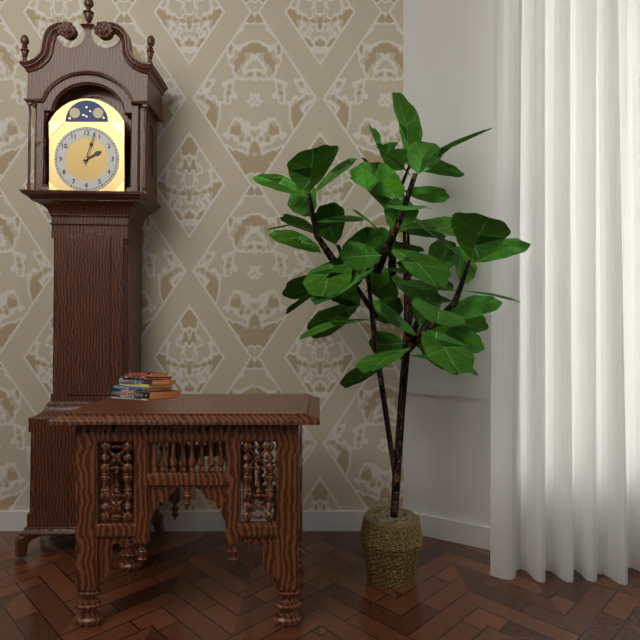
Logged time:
2h03
